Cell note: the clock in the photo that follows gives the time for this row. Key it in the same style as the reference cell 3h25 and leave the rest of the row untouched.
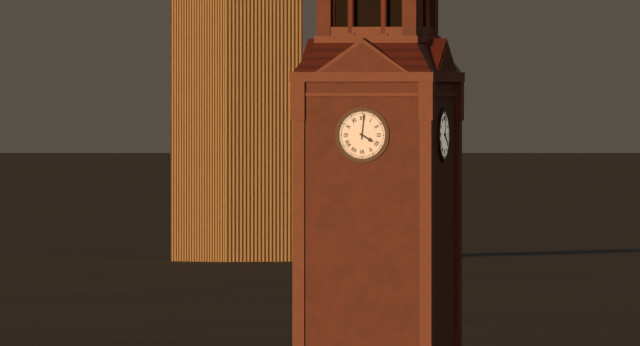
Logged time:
4h01
